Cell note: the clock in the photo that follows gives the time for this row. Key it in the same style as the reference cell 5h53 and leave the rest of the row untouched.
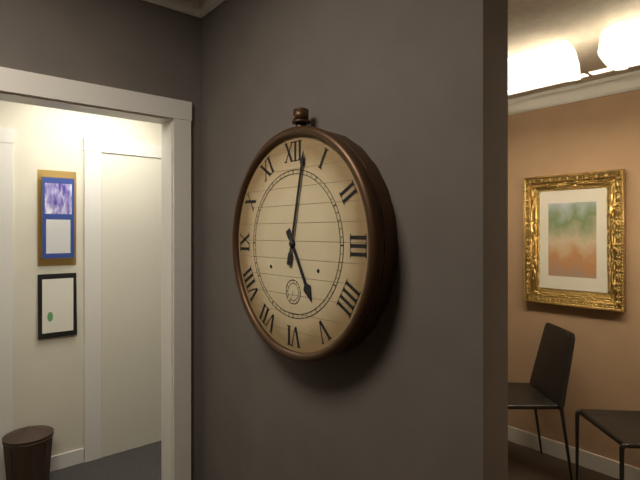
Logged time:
5h02
